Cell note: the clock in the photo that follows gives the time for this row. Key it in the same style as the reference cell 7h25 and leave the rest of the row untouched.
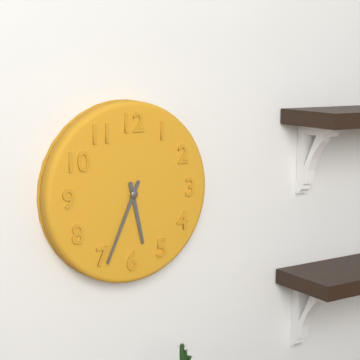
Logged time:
5h34
